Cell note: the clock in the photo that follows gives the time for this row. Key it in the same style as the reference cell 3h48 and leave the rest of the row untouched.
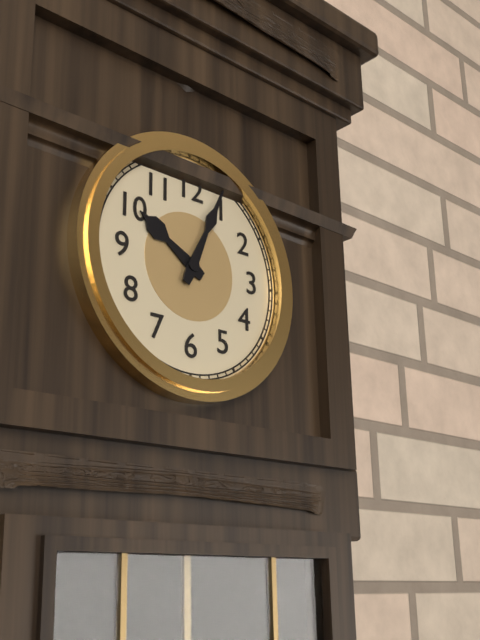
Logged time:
10h04
